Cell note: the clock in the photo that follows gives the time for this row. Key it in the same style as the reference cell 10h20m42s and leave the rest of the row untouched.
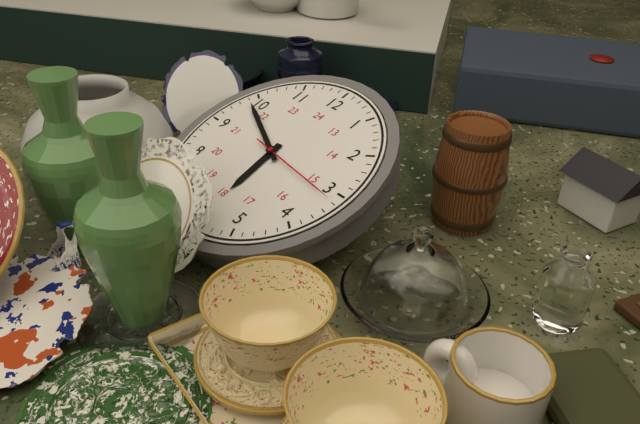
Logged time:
5h49m16s
